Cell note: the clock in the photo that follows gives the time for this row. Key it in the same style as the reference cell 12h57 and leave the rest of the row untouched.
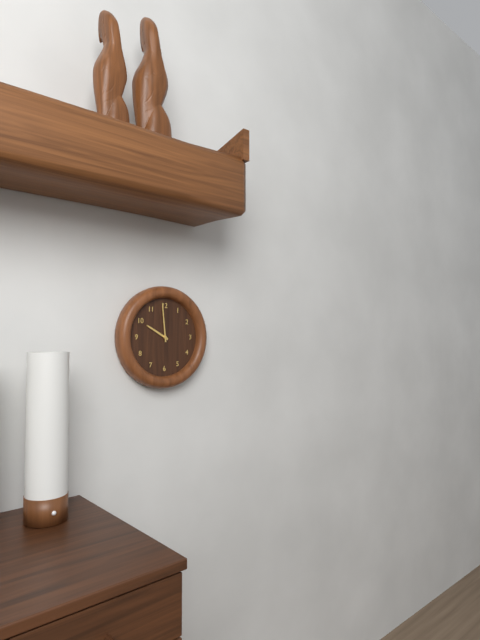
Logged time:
9h59
